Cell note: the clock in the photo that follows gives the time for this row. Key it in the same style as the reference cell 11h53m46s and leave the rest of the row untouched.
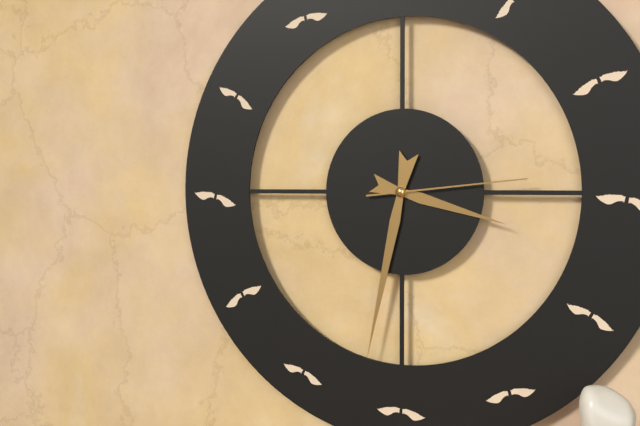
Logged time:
3h32m14s
